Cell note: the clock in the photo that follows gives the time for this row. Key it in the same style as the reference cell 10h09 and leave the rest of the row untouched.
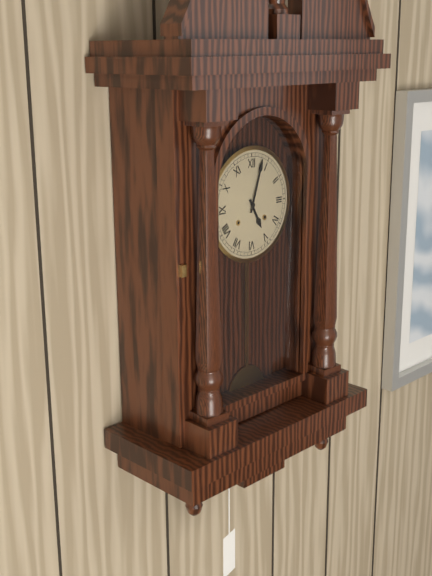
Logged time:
5h03
